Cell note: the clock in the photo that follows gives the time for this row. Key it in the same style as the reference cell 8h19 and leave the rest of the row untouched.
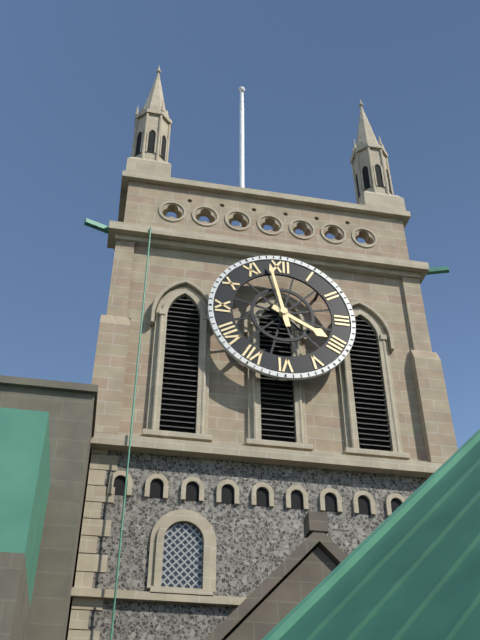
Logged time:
3h58
